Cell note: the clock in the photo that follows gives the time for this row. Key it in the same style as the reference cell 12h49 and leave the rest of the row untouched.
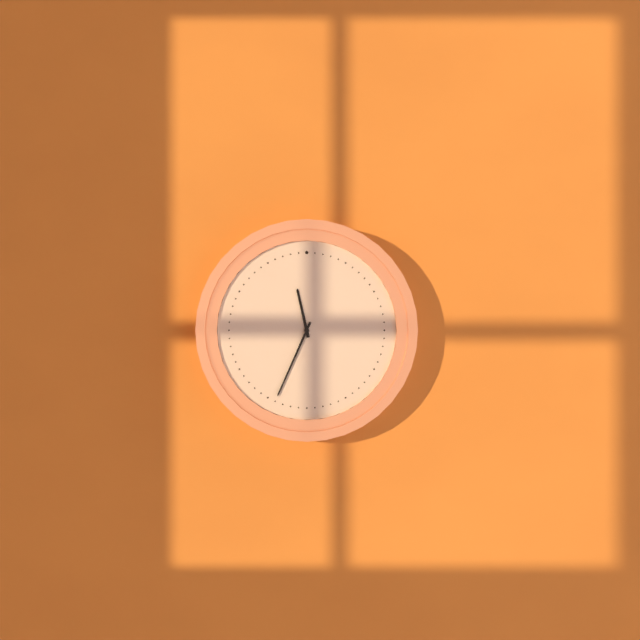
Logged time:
11h34
